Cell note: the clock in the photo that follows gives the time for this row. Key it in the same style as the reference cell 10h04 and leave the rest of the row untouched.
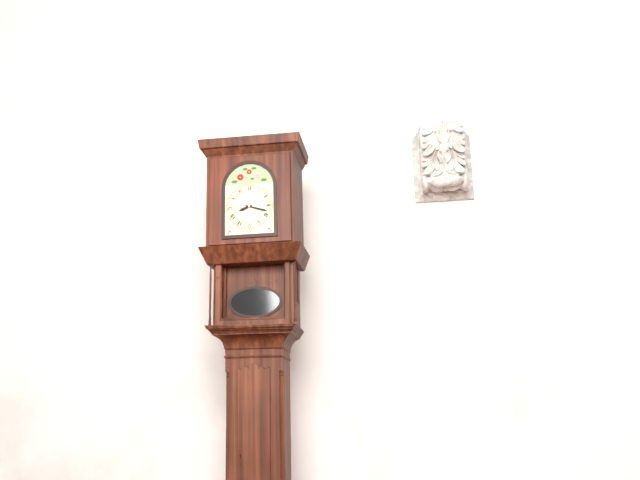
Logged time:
8h18
